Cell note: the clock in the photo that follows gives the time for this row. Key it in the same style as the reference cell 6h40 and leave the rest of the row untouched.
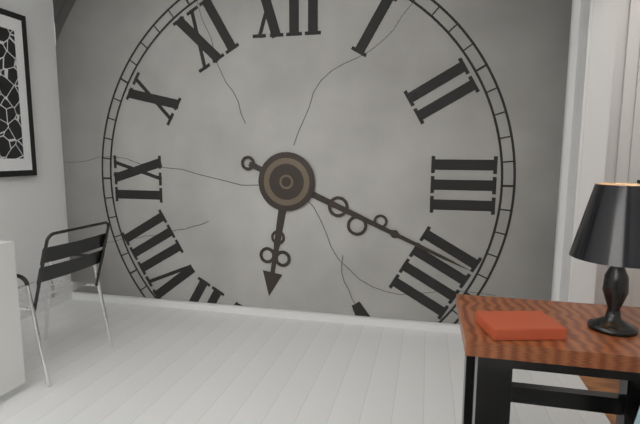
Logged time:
6h19
